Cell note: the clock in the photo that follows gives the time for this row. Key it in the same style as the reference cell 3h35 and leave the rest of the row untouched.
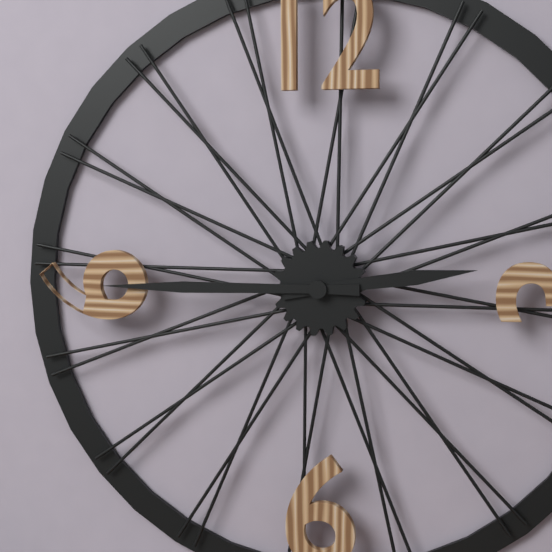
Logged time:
2h45
